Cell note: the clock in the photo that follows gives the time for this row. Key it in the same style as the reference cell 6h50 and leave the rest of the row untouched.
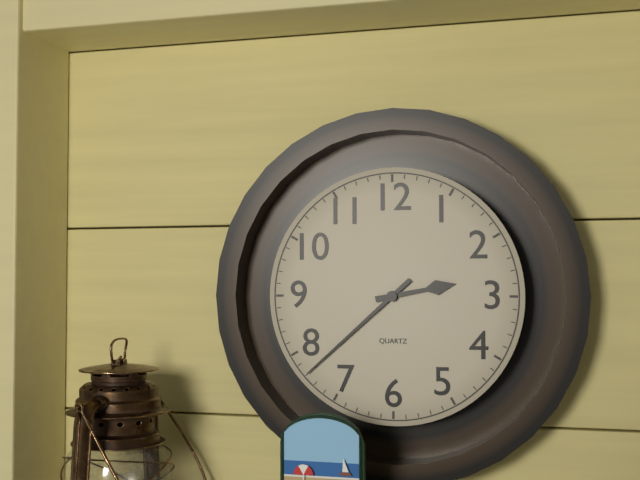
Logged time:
2h38
